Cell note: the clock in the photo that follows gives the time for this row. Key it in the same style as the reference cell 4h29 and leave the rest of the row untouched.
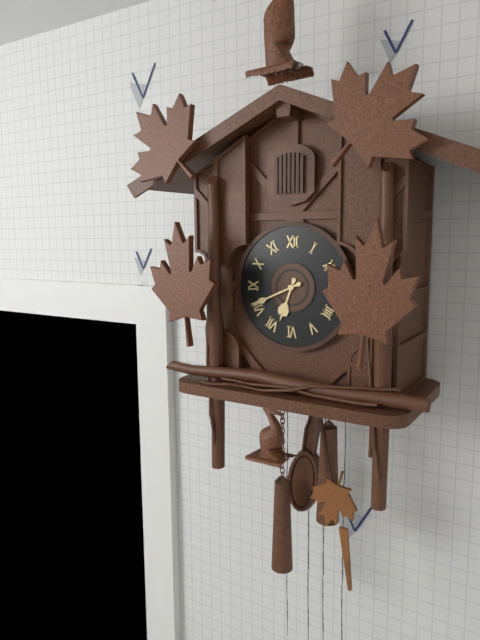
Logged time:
6h41
